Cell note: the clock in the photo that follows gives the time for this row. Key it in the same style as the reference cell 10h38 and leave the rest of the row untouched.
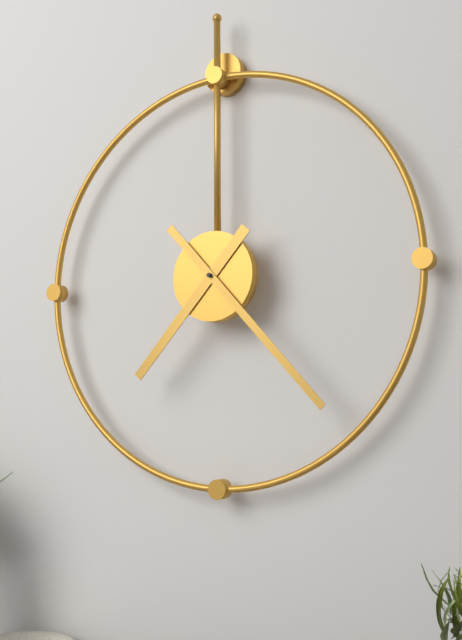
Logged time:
7h23
